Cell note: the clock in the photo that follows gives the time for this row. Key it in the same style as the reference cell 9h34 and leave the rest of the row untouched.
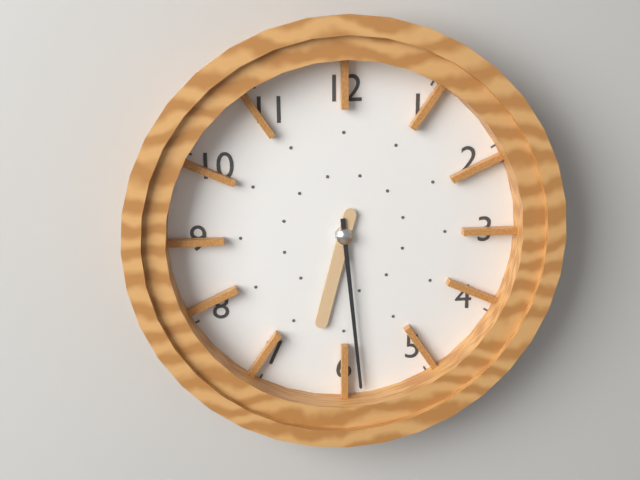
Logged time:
6h29
